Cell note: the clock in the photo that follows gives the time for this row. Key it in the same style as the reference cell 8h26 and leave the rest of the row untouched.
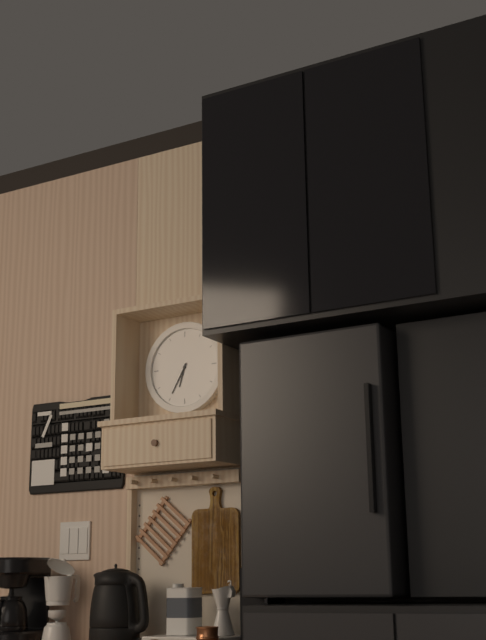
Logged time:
6h35
